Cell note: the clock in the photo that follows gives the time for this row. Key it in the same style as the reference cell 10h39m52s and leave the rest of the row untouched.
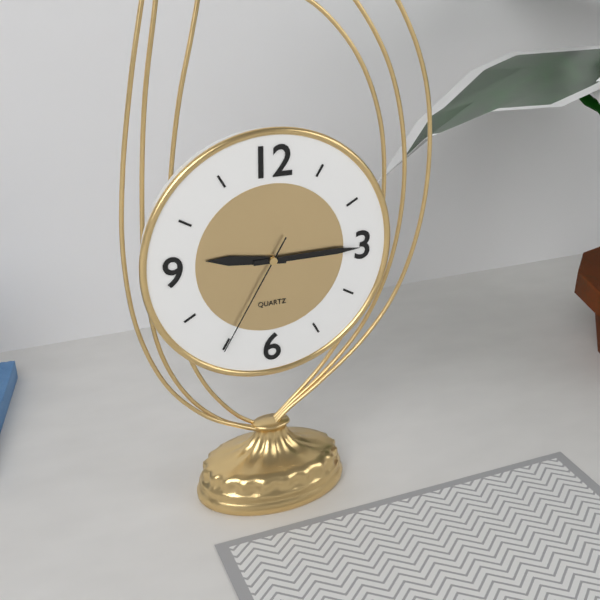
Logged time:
9h15m35s
